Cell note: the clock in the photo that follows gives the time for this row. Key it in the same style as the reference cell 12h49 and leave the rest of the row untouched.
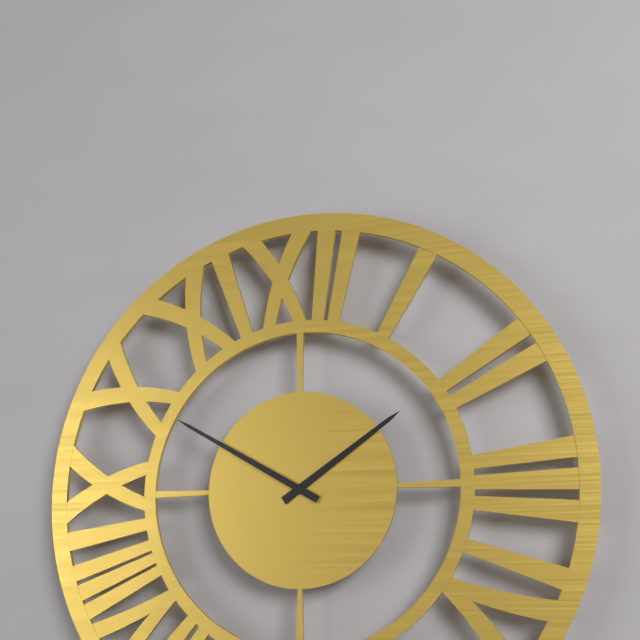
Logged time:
1h50
